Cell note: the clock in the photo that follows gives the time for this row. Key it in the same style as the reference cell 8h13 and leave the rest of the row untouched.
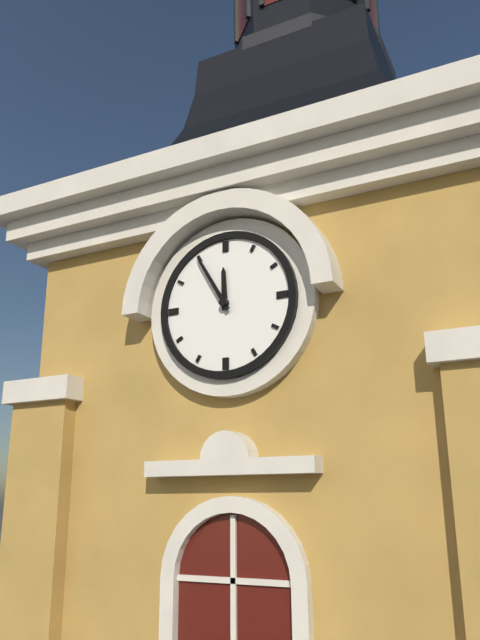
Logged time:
11h55
